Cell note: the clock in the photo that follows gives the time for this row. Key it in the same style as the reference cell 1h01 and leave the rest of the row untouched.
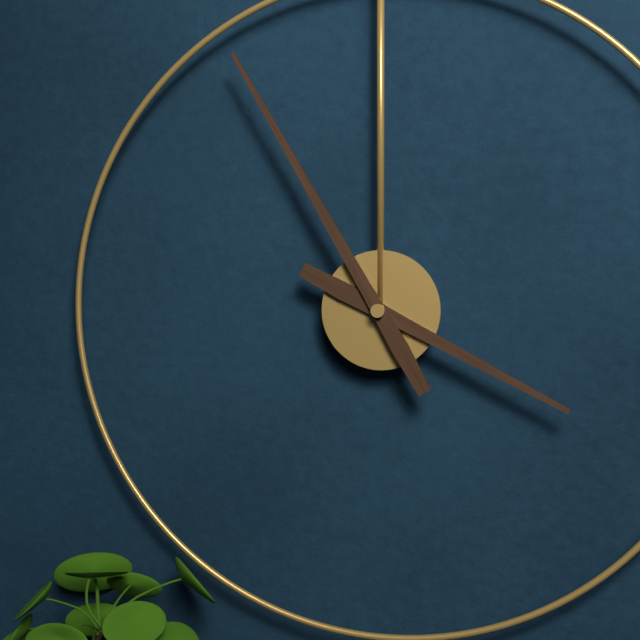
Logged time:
3h55
